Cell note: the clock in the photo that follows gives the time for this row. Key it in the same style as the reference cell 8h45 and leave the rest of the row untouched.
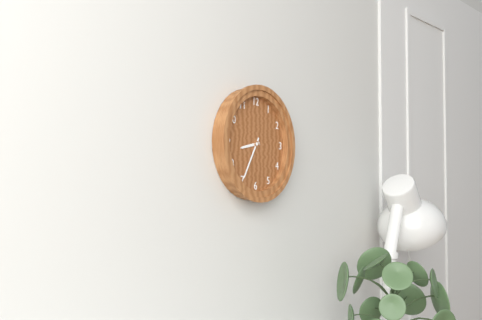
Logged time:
8h35
